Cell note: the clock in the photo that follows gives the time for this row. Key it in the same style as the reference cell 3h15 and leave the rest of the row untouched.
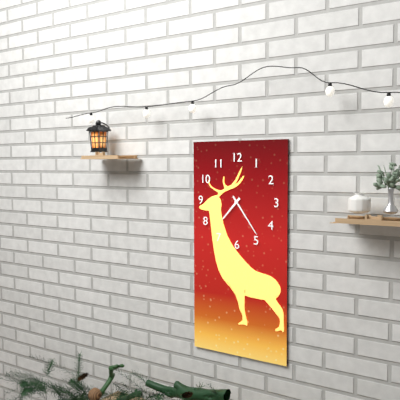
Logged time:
7h24
